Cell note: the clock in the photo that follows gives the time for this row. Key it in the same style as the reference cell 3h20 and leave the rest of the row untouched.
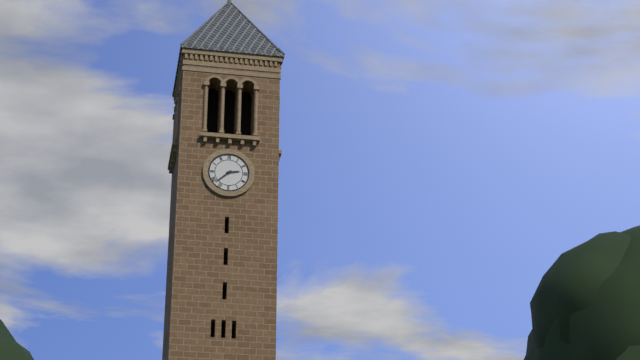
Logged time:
2h38
